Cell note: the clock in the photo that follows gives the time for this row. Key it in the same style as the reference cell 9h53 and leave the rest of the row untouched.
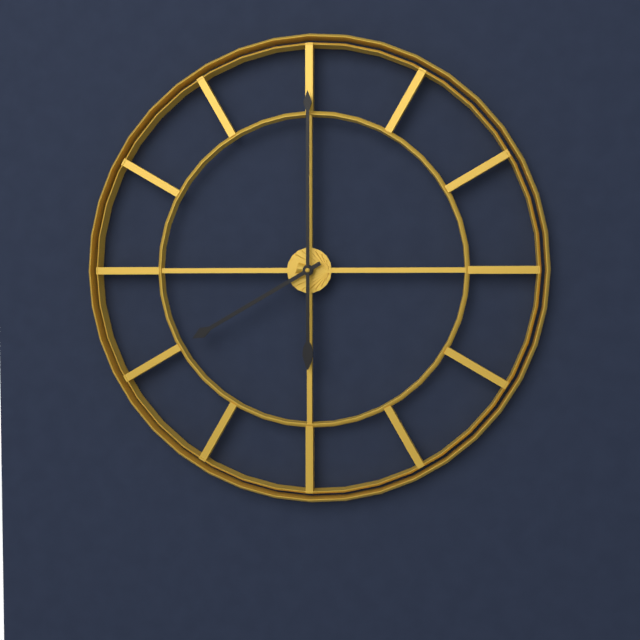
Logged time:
8h00
